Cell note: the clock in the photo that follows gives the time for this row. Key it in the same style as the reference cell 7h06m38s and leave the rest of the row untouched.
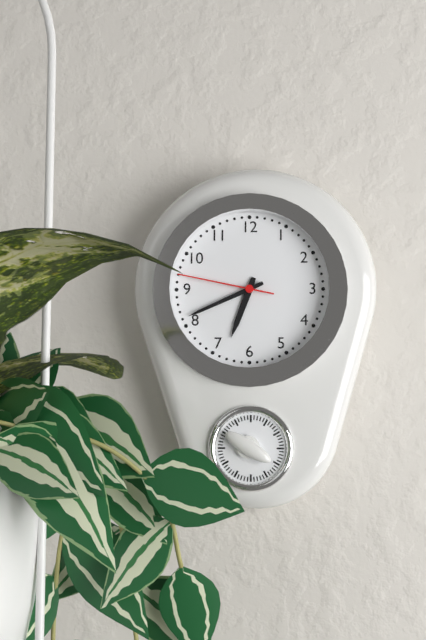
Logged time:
6h41m47s
